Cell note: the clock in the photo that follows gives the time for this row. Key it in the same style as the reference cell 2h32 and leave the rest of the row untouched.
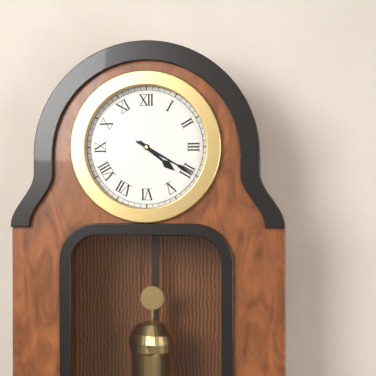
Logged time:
4h20
